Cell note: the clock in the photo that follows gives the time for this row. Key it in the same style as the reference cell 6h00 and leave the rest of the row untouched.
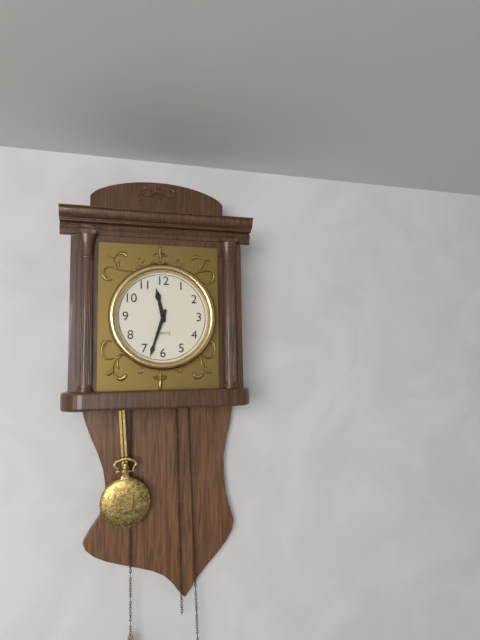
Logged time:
11h33
